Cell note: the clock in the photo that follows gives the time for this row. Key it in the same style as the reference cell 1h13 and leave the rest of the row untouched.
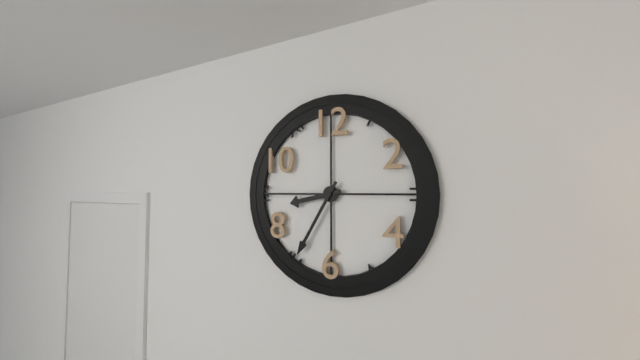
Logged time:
8h35
